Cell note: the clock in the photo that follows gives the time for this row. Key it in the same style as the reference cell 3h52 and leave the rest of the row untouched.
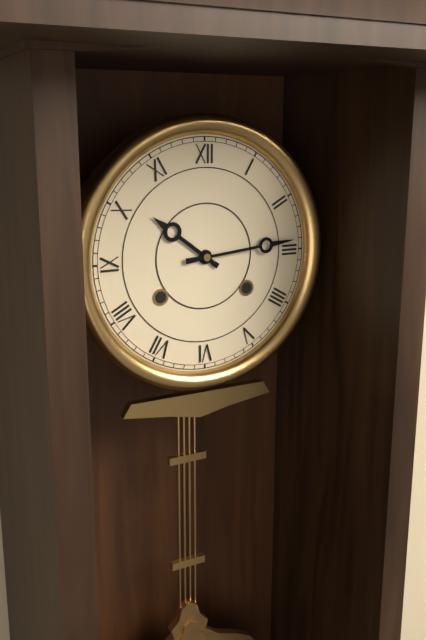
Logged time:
10h14
